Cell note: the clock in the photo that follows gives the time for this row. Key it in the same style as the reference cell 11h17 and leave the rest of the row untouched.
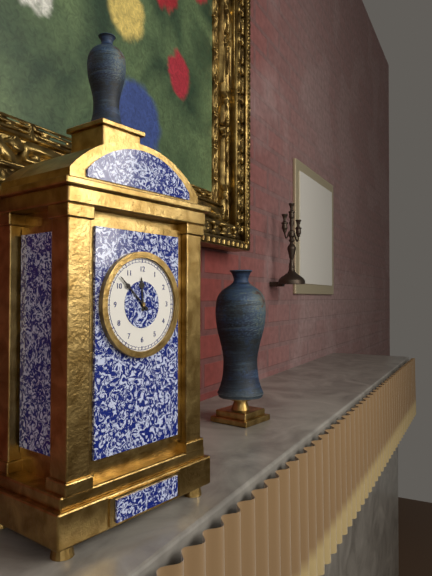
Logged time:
11h52
